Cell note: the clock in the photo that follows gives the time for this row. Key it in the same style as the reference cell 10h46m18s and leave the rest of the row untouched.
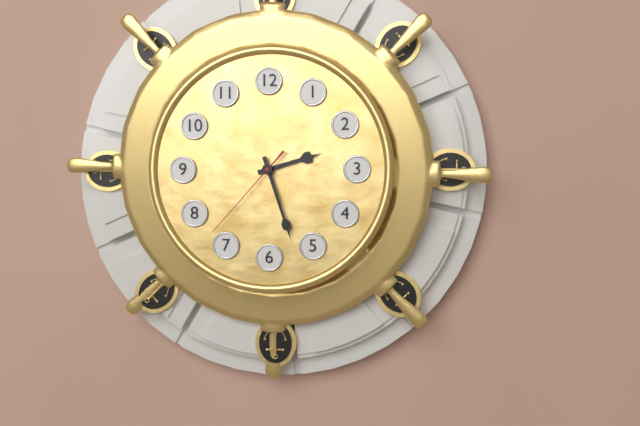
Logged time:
2h27m37s
